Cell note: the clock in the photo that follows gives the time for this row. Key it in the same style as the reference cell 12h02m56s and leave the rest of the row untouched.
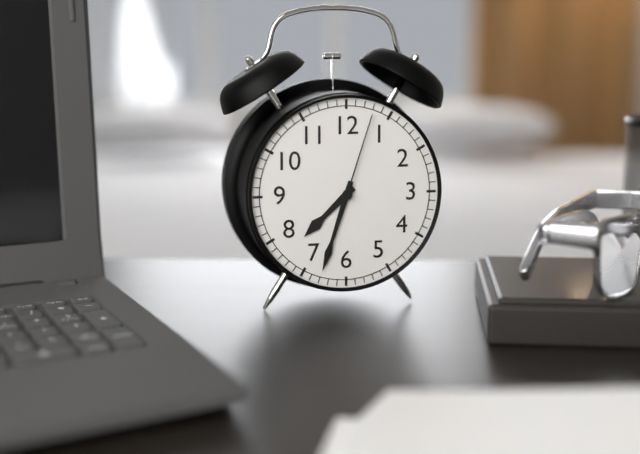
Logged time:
7h33m03s
